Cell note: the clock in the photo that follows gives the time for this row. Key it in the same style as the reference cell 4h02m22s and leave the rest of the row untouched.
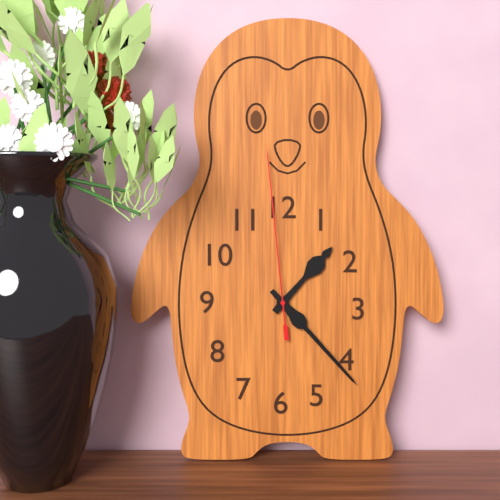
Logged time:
1h23m59s
